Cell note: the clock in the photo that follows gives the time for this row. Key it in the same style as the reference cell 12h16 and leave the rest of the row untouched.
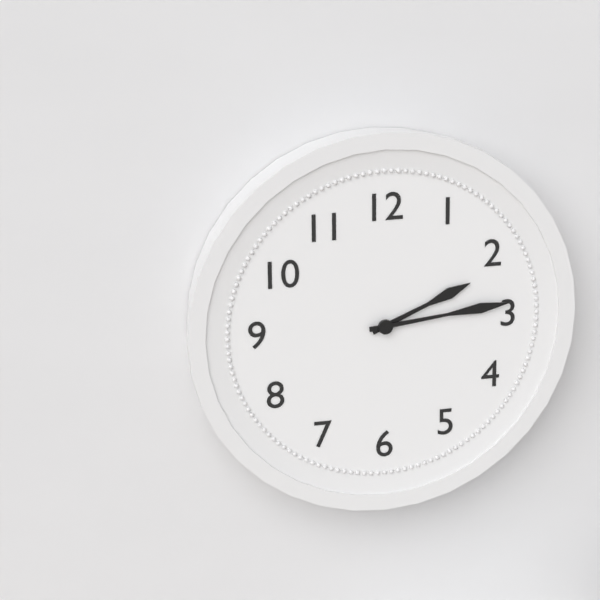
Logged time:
2h14
